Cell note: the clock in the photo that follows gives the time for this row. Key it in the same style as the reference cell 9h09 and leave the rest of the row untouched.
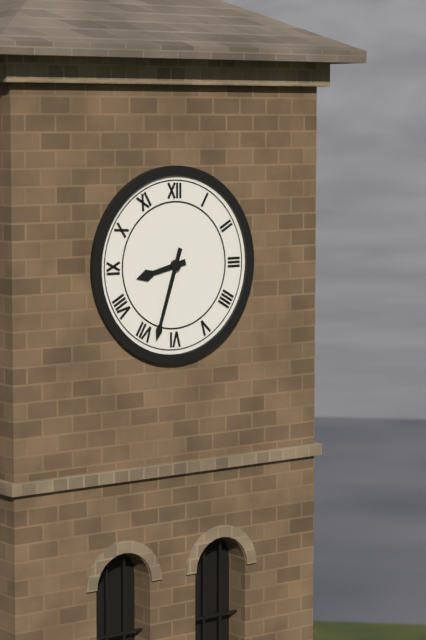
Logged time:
8h33
